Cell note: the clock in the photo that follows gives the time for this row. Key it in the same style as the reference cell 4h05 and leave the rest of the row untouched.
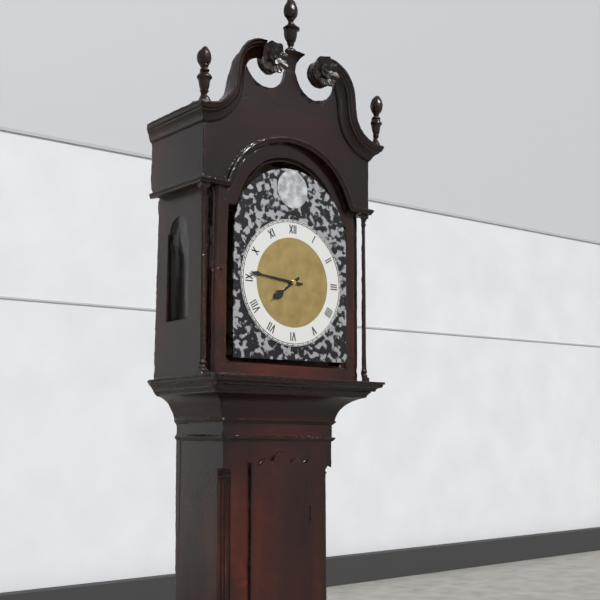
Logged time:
7h46
